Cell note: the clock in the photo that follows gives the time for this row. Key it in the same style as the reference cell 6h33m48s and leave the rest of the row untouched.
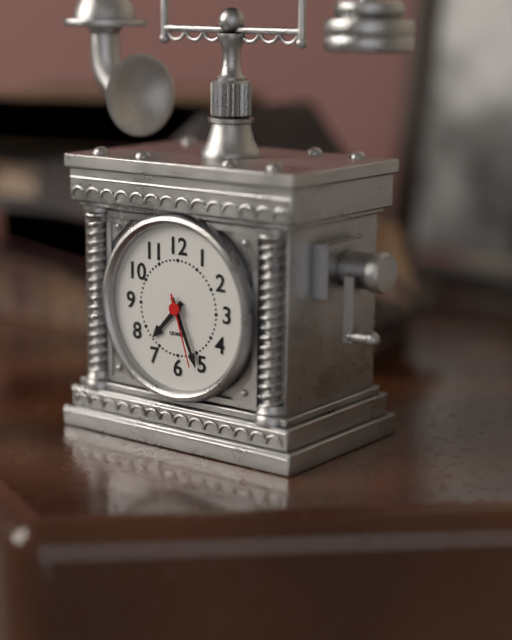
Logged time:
7h26m27s
